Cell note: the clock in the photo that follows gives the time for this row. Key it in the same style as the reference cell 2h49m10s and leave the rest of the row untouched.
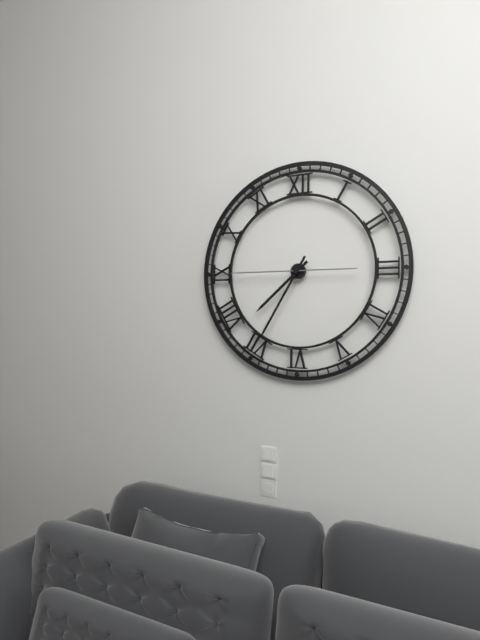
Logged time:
7h35m45s
